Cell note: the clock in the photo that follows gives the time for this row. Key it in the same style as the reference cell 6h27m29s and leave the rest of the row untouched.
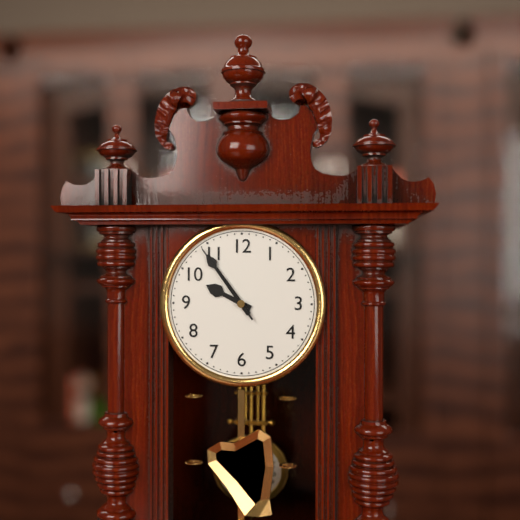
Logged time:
9h54m54s
